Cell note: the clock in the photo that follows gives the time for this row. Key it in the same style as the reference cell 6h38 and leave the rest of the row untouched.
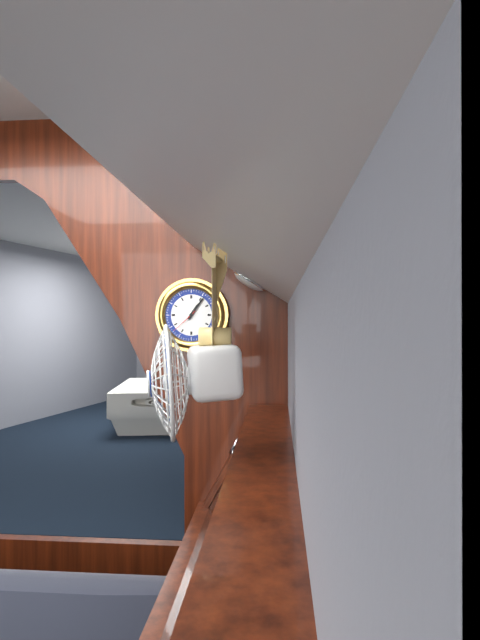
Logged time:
1h06
